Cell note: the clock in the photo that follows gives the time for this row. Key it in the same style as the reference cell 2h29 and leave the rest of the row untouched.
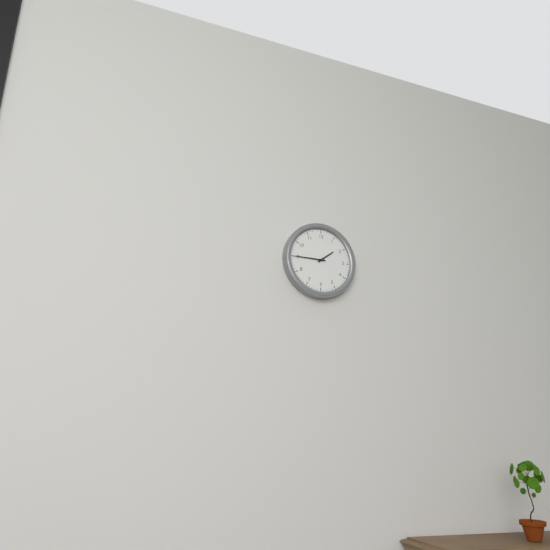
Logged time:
1h45
